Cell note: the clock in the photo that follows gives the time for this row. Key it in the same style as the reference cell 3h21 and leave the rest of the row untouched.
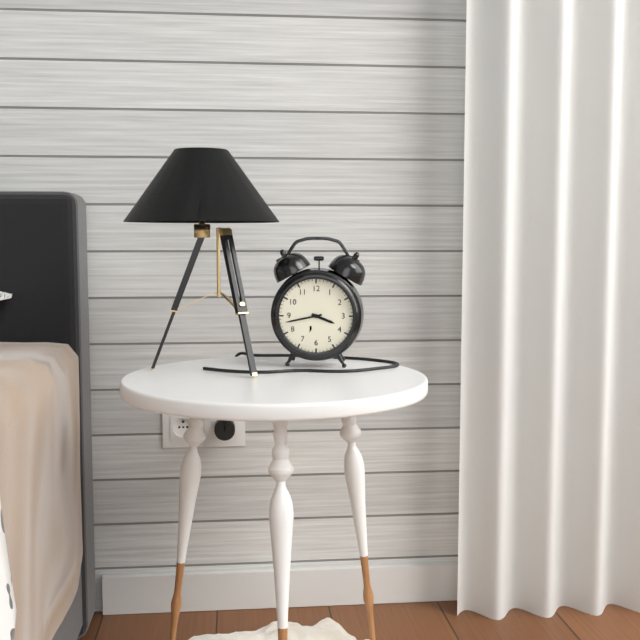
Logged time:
3h43
